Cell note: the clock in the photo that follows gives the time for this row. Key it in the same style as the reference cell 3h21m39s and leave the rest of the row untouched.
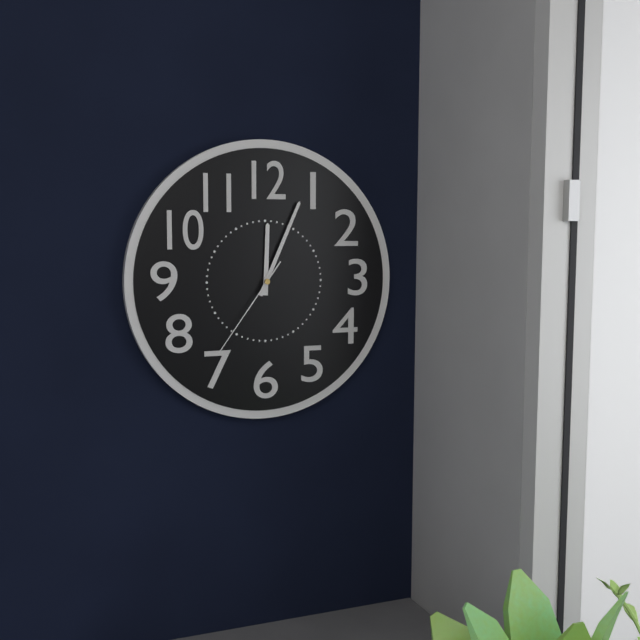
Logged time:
12h04m36s
